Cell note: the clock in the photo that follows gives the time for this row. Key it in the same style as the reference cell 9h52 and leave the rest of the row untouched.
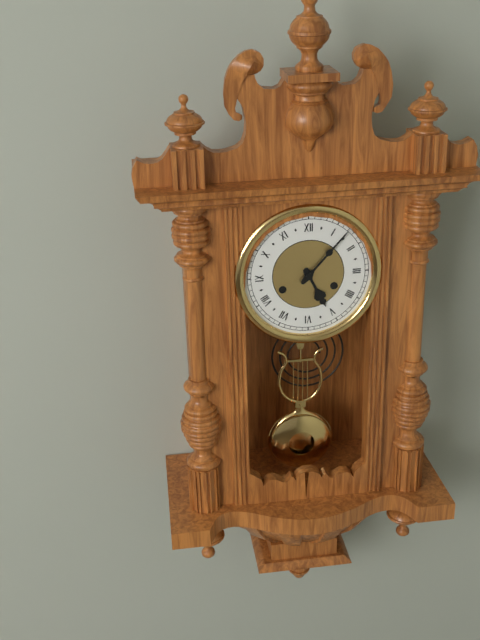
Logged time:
5h07
